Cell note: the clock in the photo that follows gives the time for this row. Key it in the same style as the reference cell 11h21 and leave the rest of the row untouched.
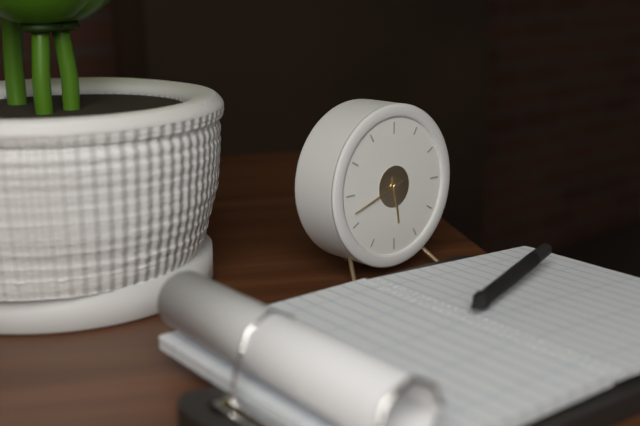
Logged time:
5h42
